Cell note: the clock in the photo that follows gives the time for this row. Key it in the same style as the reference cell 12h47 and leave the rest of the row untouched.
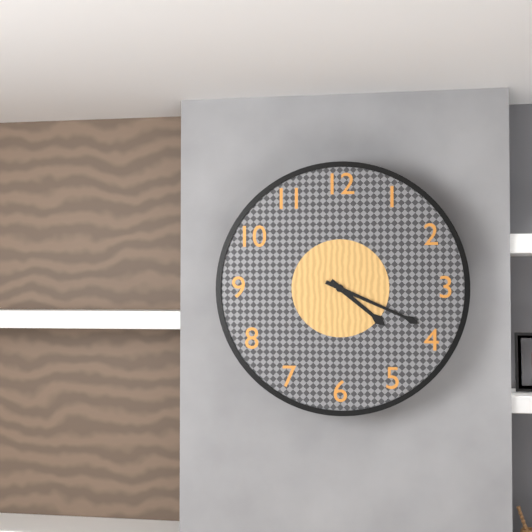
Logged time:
4h19
